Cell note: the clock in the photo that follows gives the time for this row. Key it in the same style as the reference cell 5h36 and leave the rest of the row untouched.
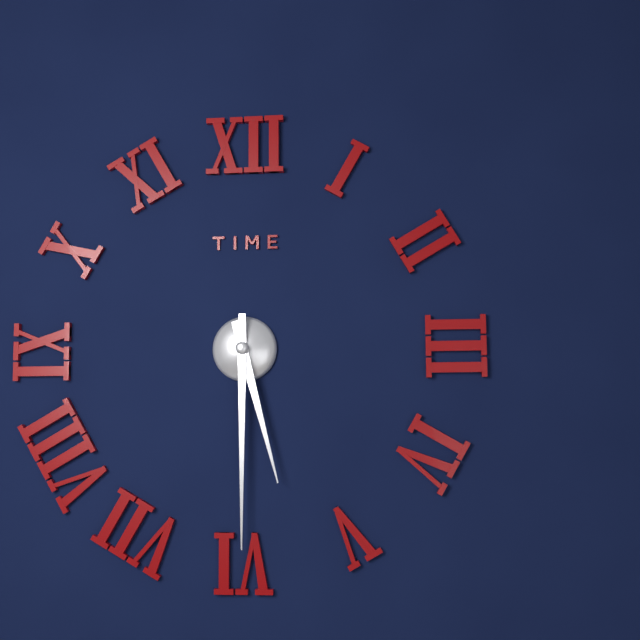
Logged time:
5h30
